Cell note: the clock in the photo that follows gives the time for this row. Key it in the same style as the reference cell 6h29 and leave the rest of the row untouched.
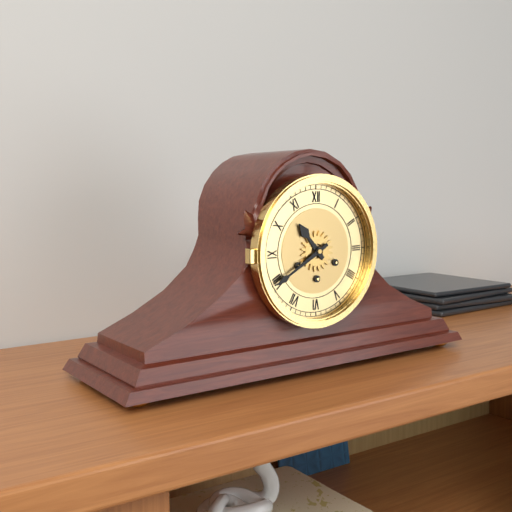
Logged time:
10h40
